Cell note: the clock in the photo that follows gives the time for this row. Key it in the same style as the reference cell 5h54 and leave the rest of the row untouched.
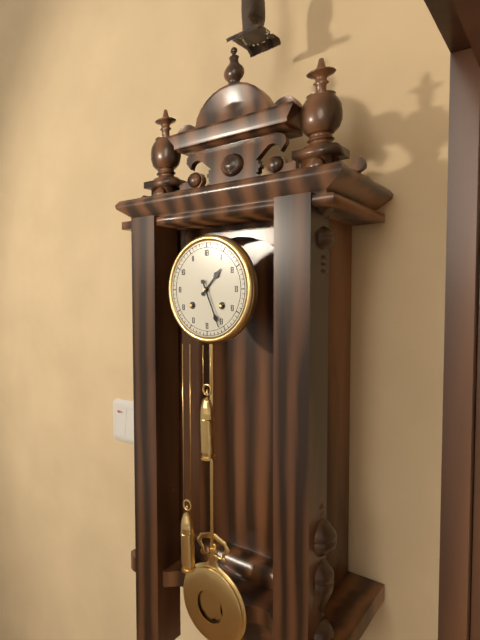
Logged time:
1h26
